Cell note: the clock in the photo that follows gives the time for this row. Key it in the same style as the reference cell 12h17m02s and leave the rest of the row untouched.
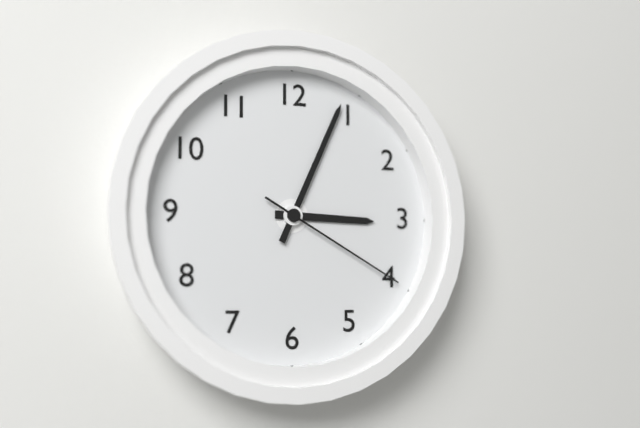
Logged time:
3h04m20s
